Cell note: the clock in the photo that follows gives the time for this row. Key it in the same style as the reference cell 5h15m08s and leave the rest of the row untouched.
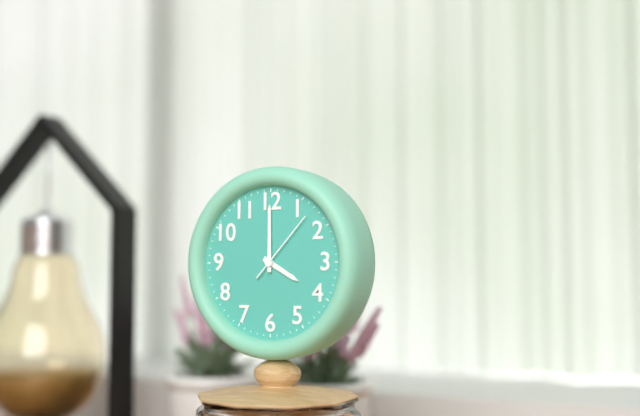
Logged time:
4h00m07s
